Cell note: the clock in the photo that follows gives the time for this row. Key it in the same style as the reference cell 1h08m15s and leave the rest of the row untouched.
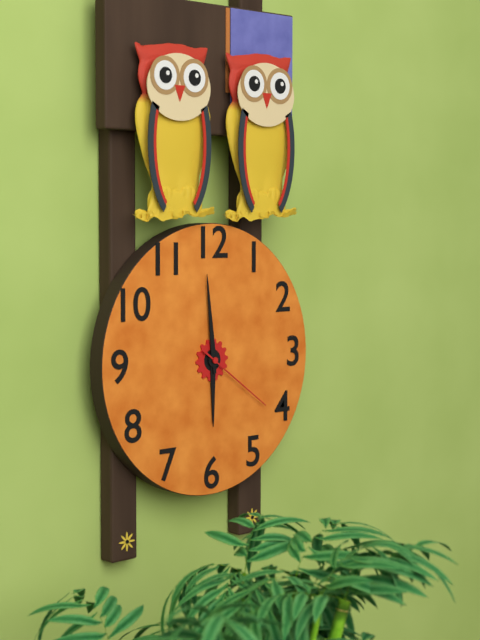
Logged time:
5h59m21s
